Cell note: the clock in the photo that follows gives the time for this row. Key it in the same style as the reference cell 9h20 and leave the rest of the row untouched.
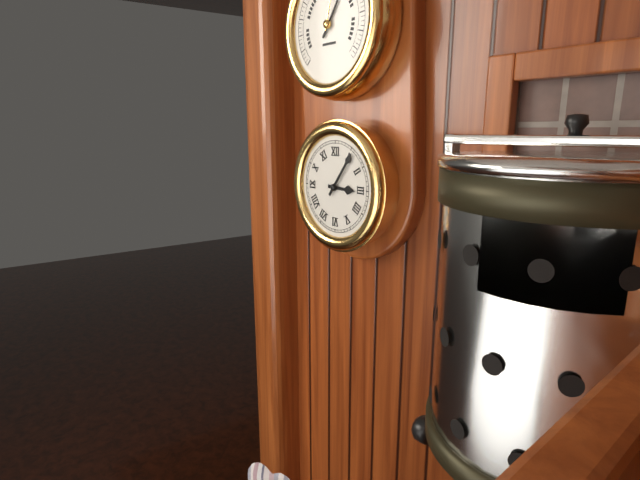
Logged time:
3h06
